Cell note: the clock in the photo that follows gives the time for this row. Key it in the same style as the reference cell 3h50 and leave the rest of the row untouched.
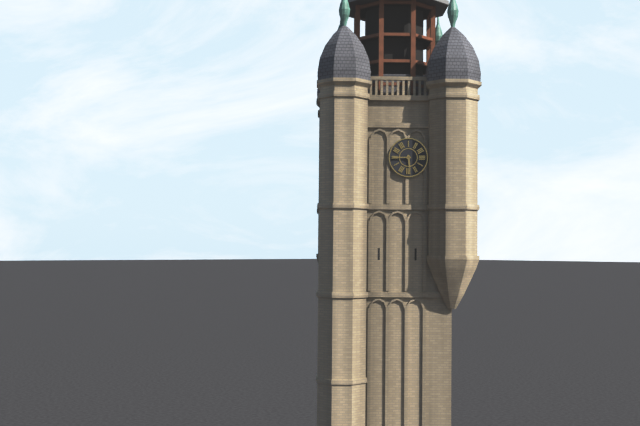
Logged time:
5h45
